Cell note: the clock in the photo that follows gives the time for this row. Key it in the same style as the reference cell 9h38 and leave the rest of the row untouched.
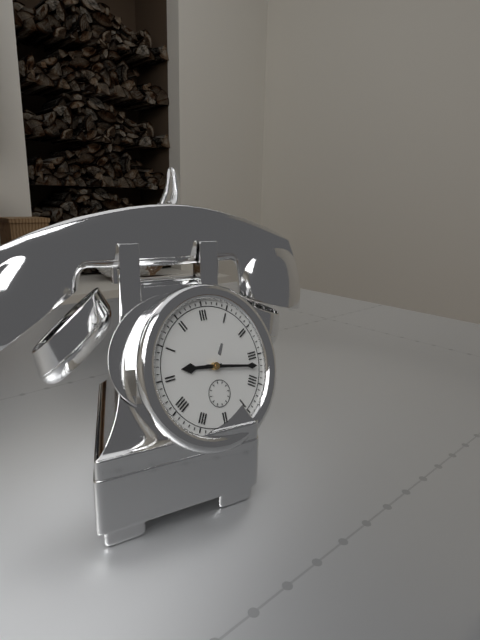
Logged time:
9h17
